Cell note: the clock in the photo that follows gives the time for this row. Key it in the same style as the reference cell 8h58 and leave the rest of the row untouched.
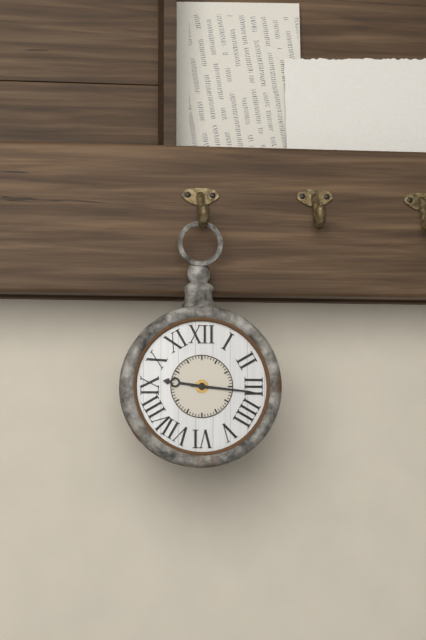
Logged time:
9h16
